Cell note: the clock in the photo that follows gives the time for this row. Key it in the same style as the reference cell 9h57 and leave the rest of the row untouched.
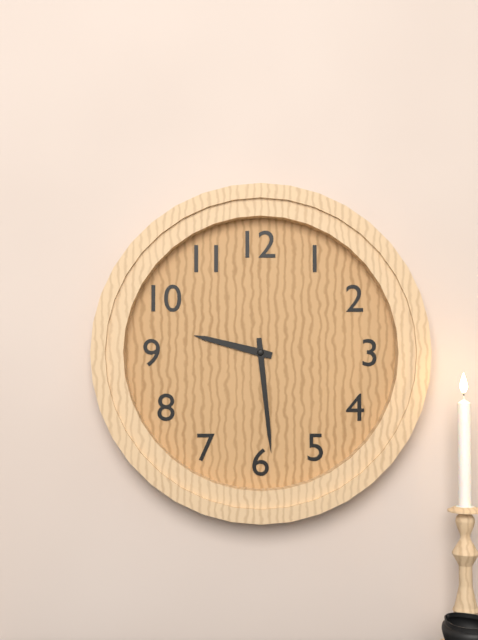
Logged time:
9h29
